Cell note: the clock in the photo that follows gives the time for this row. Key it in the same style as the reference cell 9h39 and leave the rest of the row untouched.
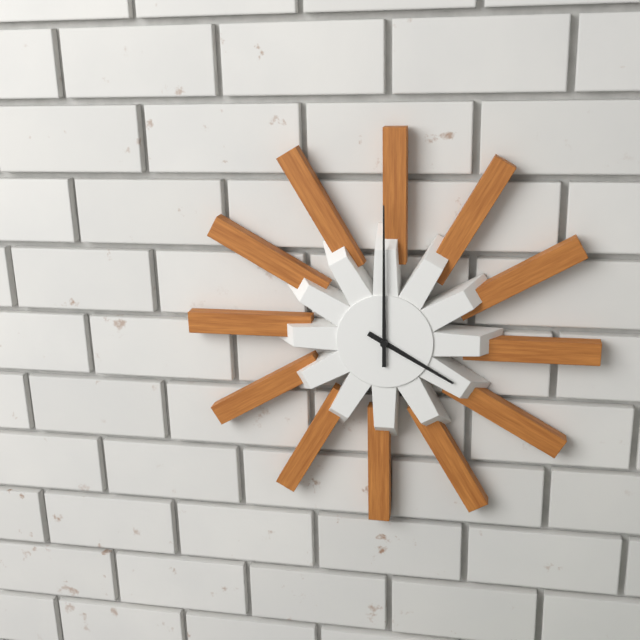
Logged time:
4h00
